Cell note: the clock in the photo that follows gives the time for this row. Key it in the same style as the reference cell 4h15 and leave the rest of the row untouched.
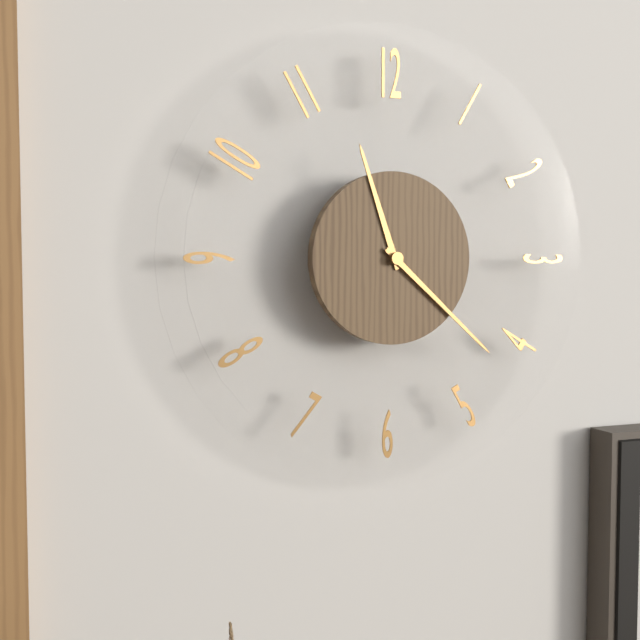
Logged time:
11h22
